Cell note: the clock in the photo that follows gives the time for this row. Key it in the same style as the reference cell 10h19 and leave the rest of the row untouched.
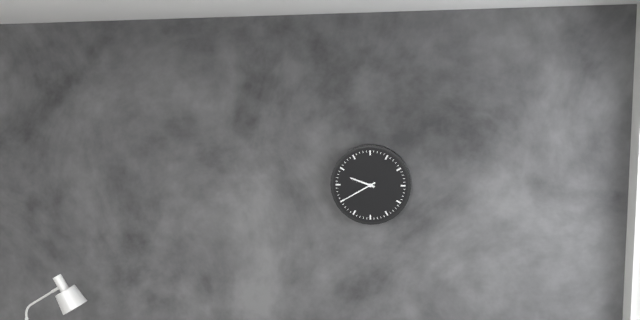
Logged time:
9h40
